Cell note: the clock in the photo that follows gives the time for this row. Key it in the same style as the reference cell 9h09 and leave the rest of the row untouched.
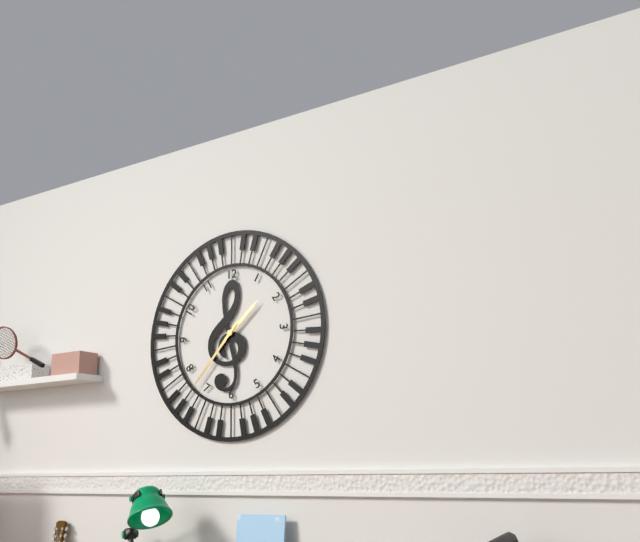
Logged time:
1h37
